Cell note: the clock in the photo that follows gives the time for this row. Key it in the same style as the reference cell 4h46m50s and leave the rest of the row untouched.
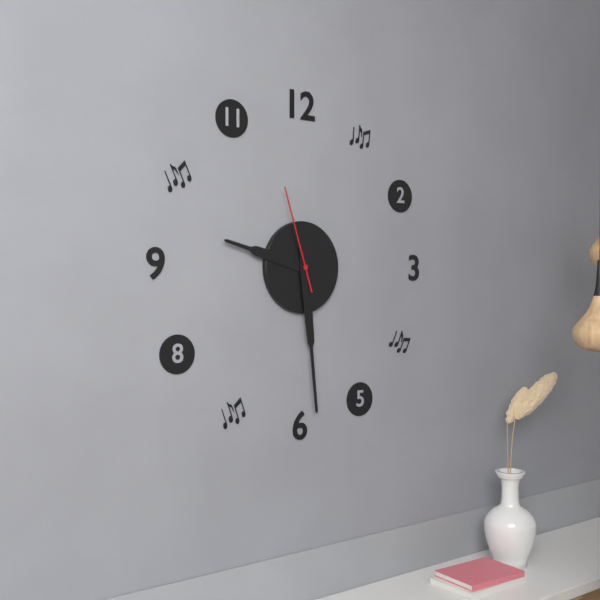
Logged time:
9h29m57s
